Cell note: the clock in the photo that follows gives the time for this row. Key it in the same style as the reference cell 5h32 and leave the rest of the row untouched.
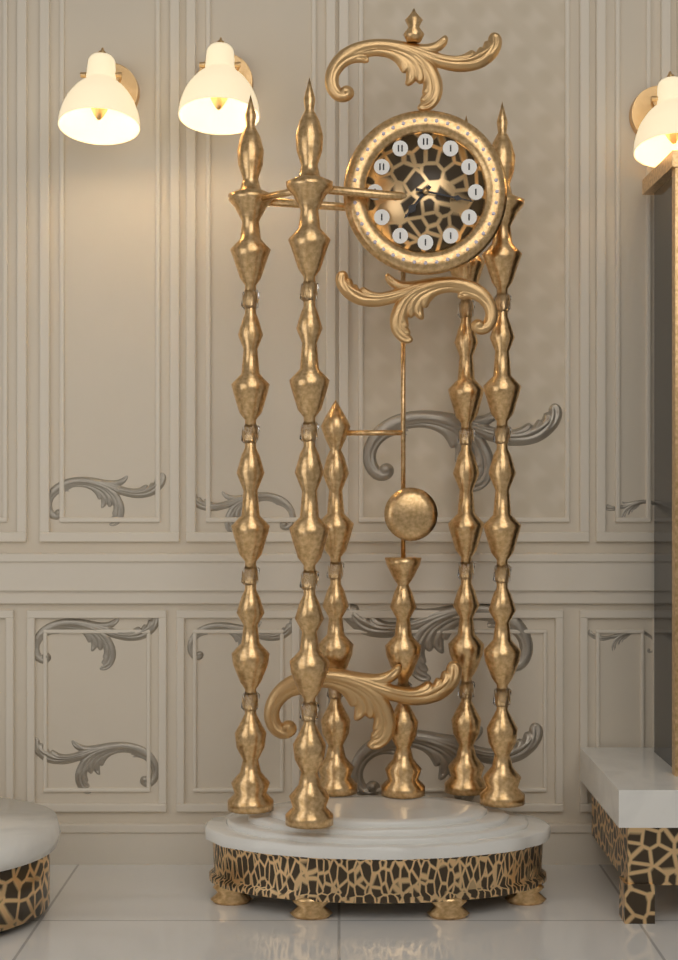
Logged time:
7h17
